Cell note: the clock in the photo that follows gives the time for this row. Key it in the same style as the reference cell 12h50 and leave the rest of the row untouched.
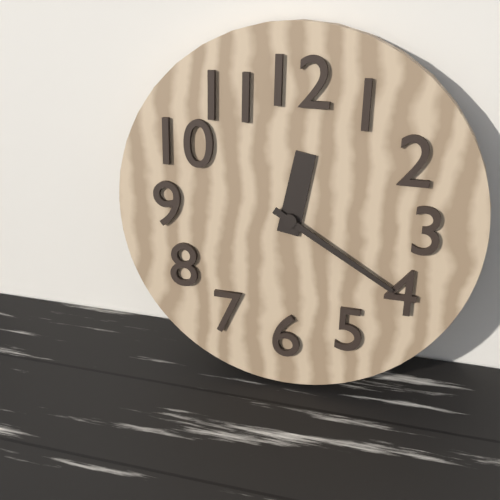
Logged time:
12h20
